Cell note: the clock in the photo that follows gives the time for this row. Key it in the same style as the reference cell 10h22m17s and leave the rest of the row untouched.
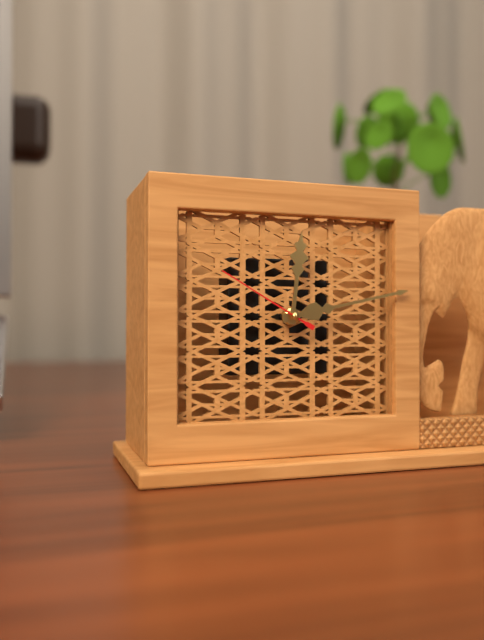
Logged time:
12h13m50s
